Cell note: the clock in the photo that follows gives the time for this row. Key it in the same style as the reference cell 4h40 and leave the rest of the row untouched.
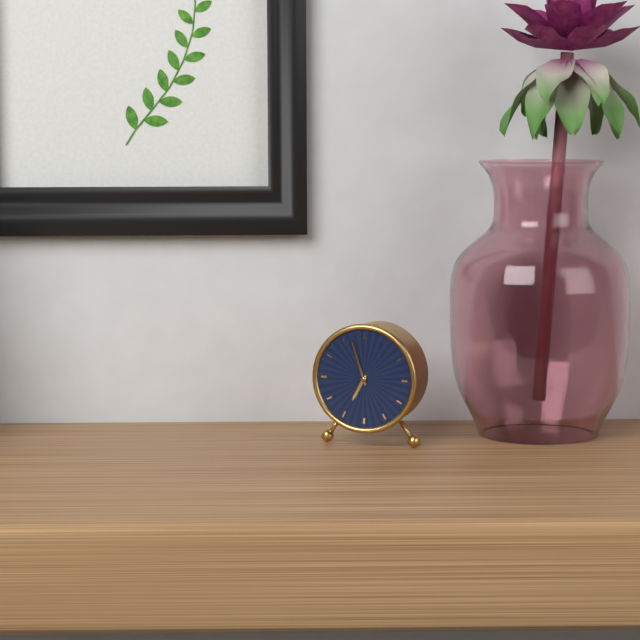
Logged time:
6h57
